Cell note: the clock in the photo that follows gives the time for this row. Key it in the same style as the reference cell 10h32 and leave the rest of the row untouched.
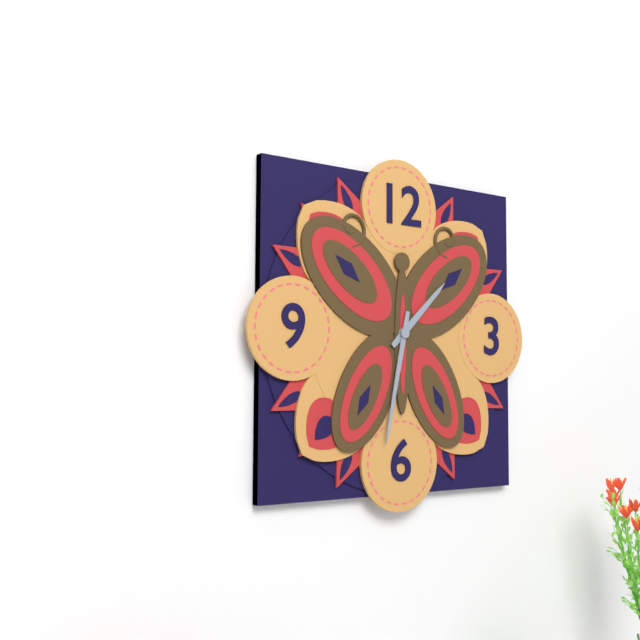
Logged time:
1h32
